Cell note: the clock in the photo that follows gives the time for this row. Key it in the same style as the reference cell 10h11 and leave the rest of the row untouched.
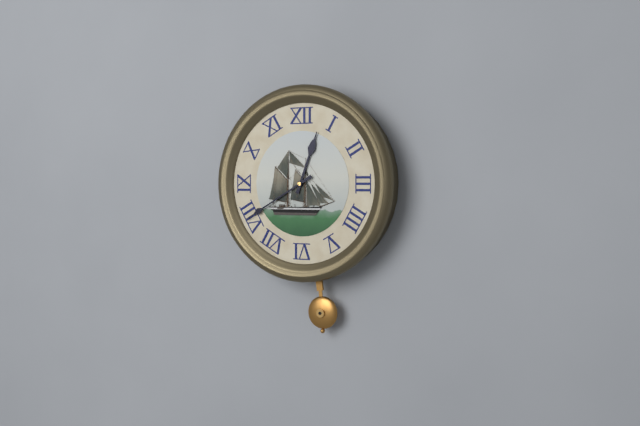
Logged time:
12h40
